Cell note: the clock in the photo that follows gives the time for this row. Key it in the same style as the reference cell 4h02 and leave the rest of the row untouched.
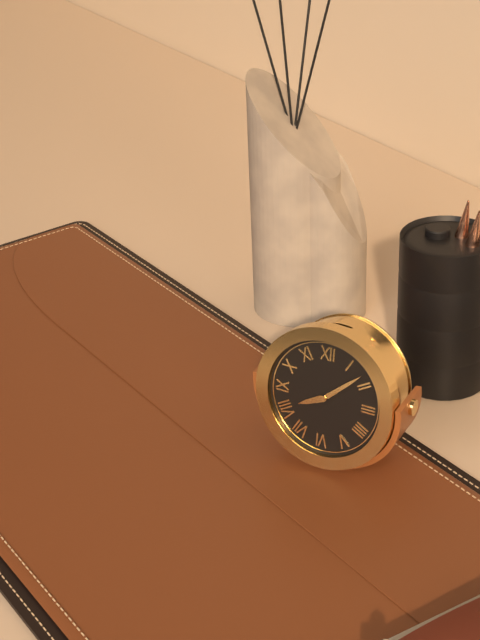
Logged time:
8h08
